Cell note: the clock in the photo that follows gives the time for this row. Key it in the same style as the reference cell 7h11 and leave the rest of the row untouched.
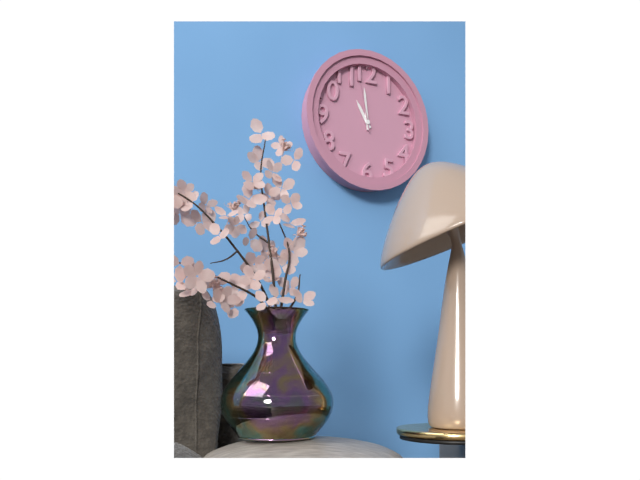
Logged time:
10h59
